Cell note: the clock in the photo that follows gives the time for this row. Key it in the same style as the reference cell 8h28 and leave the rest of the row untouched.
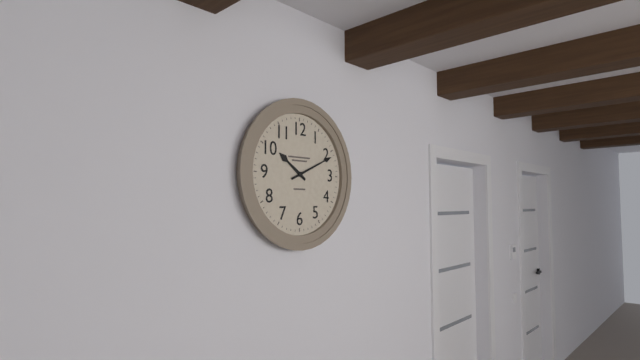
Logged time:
10h11
